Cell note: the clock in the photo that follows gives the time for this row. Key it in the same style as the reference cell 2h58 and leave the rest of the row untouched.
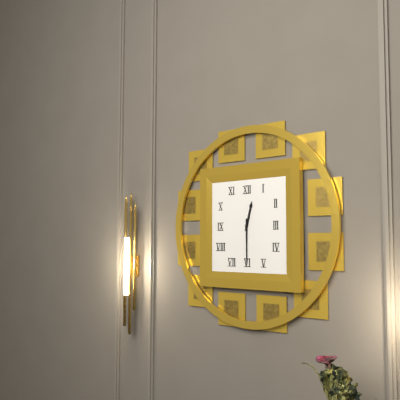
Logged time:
12h30
